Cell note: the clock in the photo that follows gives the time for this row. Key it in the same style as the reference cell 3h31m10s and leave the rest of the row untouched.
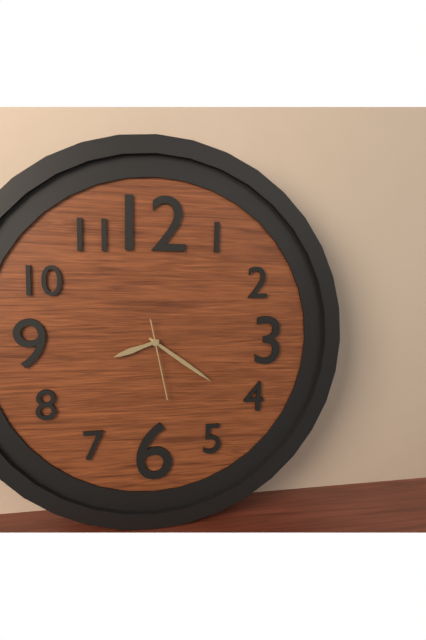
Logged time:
8h21m28s
